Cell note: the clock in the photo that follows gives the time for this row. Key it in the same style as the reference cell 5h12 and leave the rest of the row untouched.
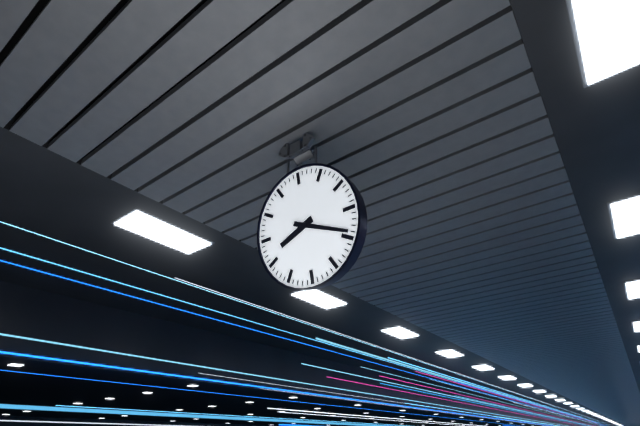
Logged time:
8h19
